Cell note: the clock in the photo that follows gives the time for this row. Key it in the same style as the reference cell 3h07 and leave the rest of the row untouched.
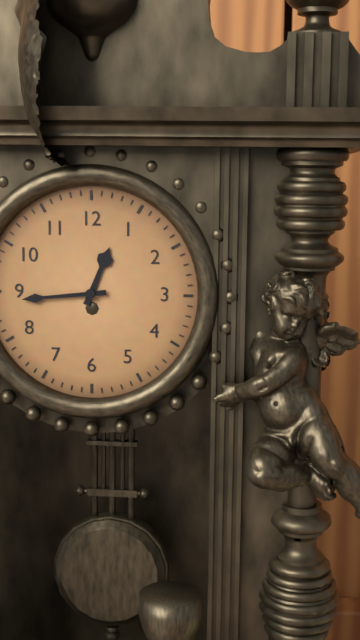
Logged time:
12h44
